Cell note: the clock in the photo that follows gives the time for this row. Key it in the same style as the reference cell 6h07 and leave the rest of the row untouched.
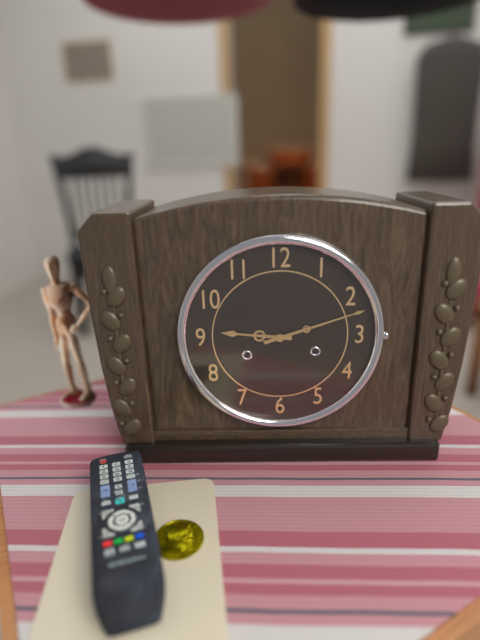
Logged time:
9h12
